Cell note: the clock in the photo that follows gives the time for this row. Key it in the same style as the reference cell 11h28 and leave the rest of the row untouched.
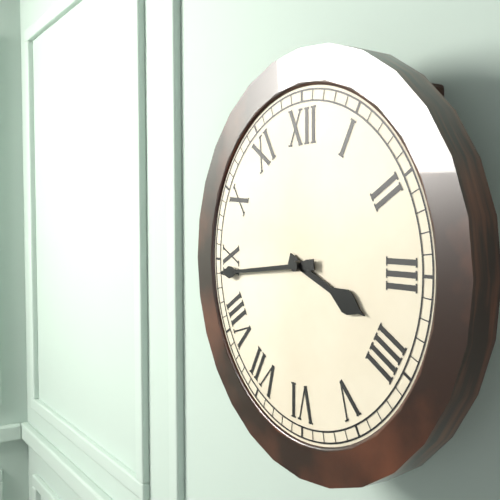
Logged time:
3h44
